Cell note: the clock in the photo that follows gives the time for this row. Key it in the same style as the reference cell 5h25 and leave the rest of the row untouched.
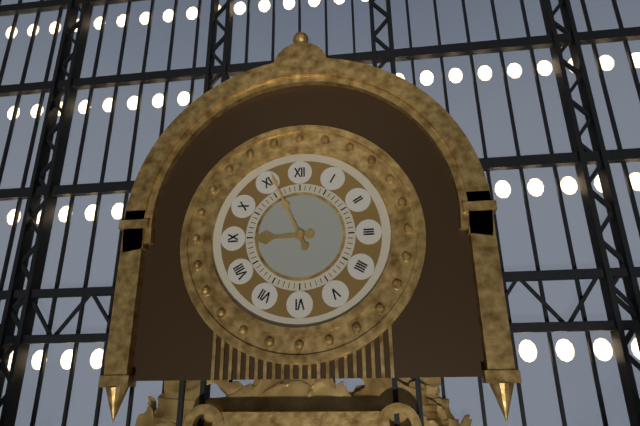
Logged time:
8h56
